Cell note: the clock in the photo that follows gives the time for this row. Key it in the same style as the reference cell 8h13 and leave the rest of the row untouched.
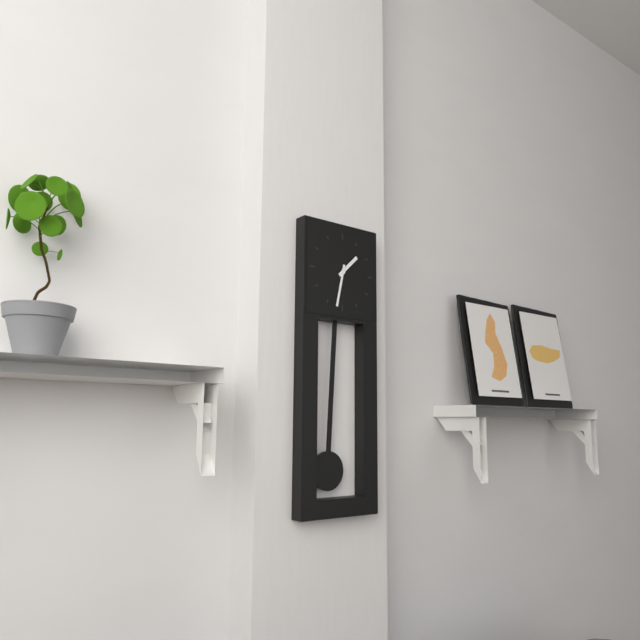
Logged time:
1h32
